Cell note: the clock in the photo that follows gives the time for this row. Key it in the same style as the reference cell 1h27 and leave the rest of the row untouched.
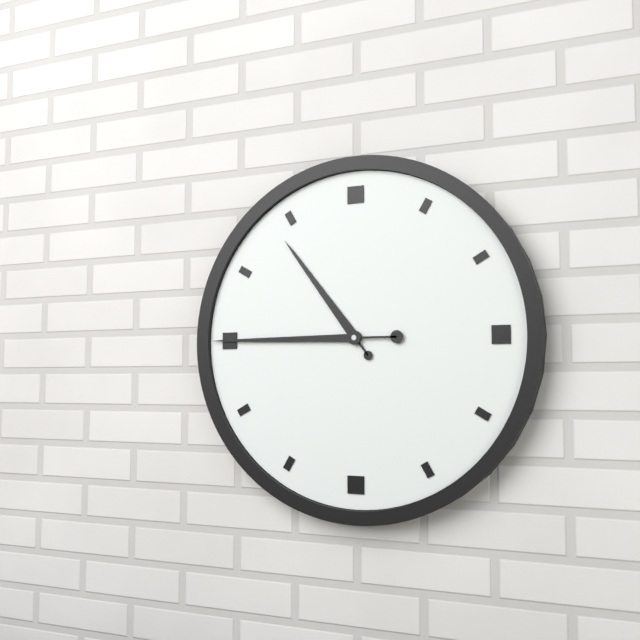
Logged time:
10h45
